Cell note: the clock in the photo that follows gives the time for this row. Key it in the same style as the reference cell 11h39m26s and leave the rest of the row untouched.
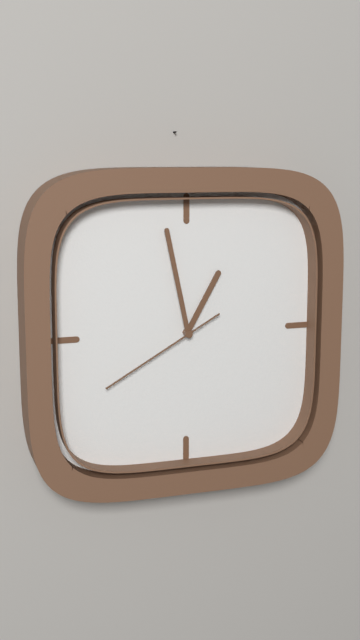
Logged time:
12h58m40s
